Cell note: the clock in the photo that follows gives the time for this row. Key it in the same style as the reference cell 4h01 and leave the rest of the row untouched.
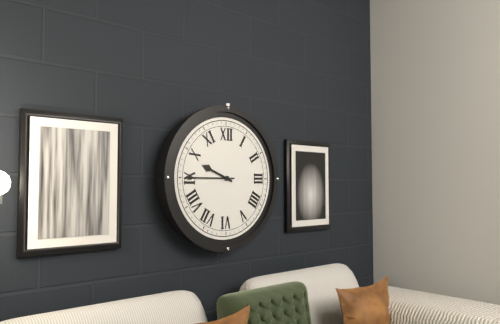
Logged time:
9h45
